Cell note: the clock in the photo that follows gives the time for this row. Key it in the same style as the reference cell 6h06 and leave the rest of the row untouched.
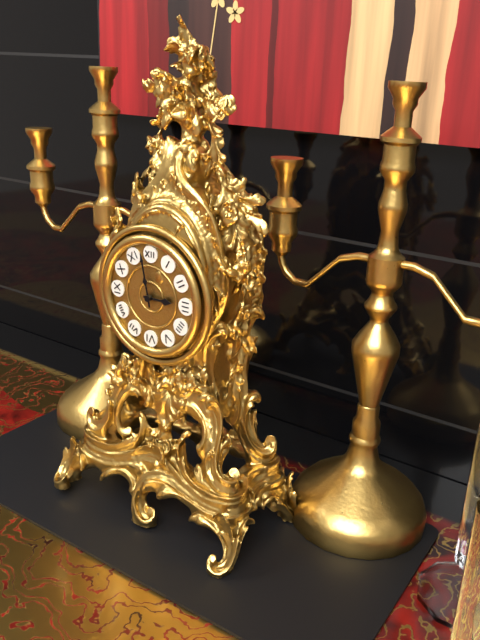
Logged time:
2h58
